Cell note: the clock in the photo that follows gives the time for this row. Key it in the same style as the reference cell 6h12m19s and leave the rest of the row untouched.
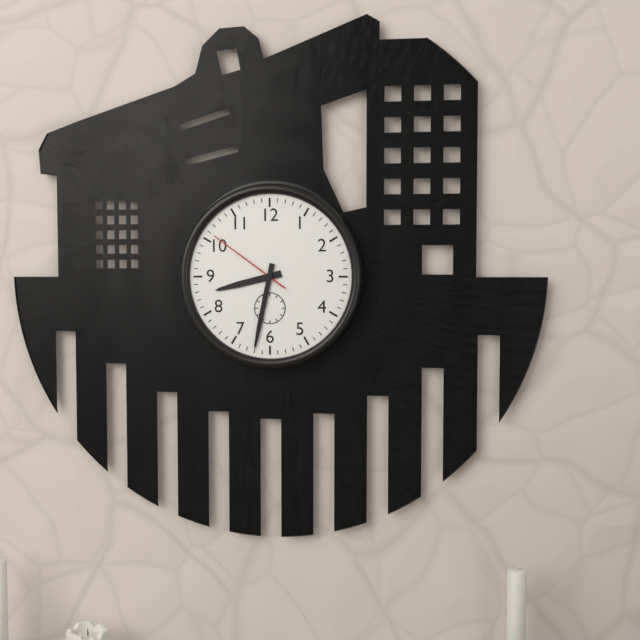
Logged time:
8h32m51s
